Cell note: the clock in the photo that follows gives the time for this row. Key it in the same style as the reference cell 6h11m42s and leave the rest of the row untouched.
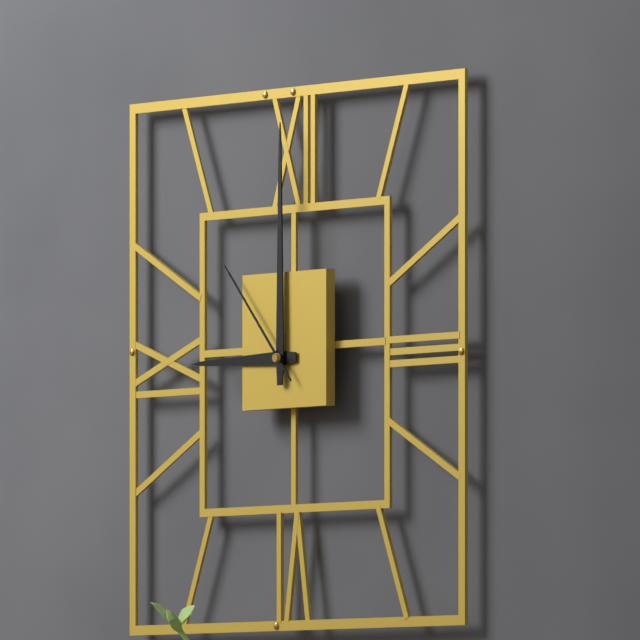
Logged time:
9h00m53s
